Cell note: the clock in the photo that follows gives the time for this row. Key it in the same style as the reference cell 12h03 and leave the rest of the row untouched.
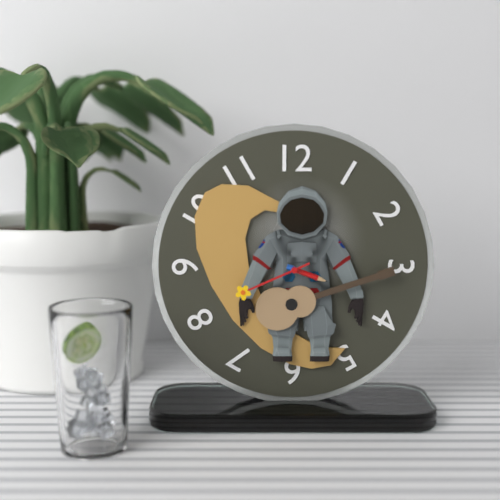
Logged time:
3h41
